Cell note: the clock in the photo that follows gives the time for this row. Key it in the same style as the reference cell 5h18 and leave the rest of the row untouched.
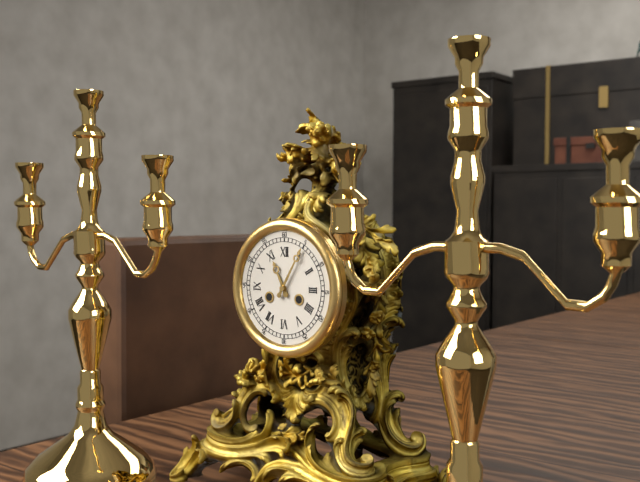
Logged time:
11h05
